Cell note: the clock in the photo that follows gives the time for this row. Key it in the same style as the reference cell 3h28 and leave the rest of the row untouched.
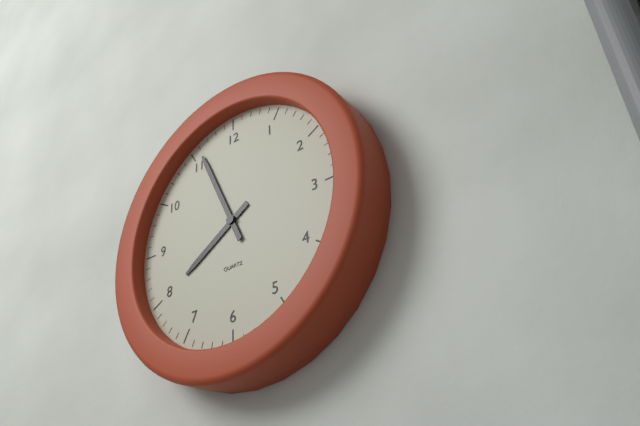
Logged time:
7h56
